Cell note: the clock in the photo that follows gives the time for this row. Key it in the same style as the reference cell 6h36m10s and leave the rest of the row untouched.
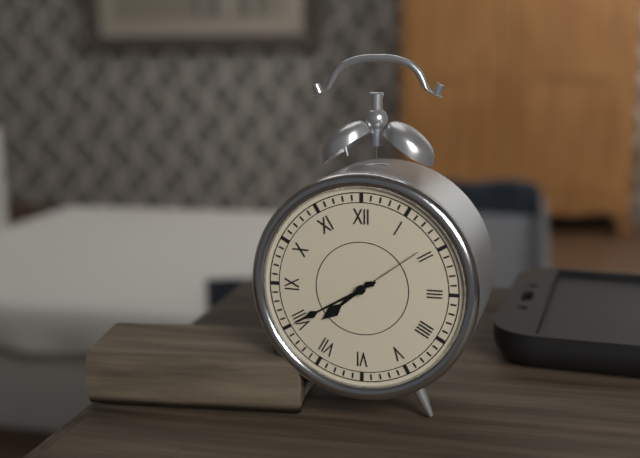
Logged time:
7h40m09s
